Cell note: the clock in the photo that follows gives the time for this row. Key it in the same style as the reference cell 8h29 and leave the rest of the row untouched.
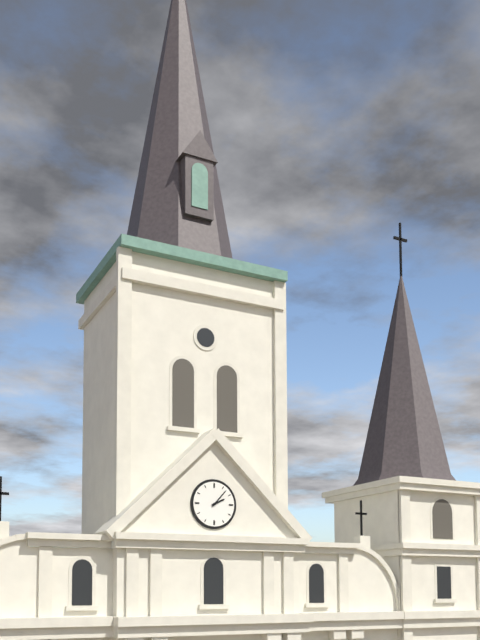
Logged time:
2h07
